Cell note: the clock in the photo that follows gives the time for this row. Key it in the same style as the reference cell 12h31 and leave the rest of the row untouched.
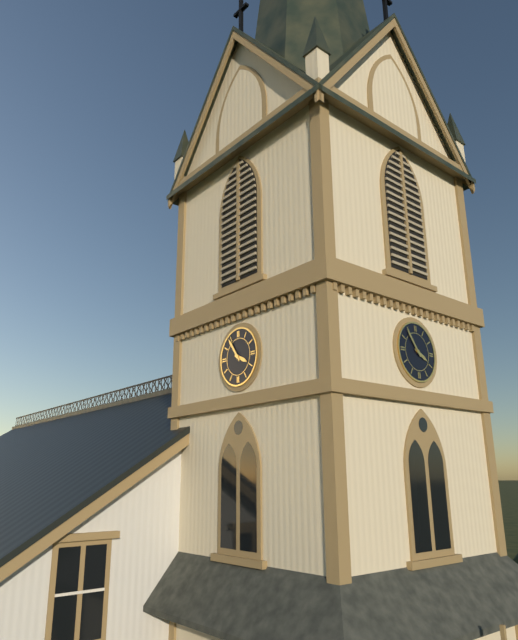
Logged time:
3h54
